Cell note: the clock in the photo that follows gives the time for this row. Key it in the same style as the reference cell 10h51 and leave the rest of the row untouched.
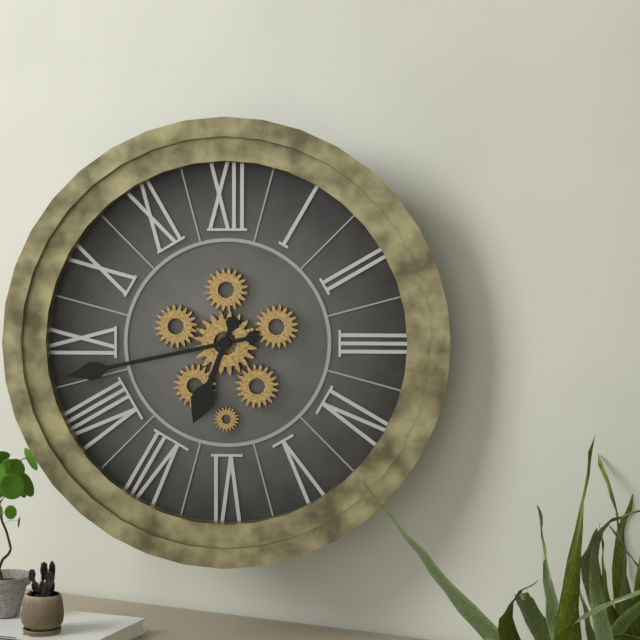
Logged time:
6h43
